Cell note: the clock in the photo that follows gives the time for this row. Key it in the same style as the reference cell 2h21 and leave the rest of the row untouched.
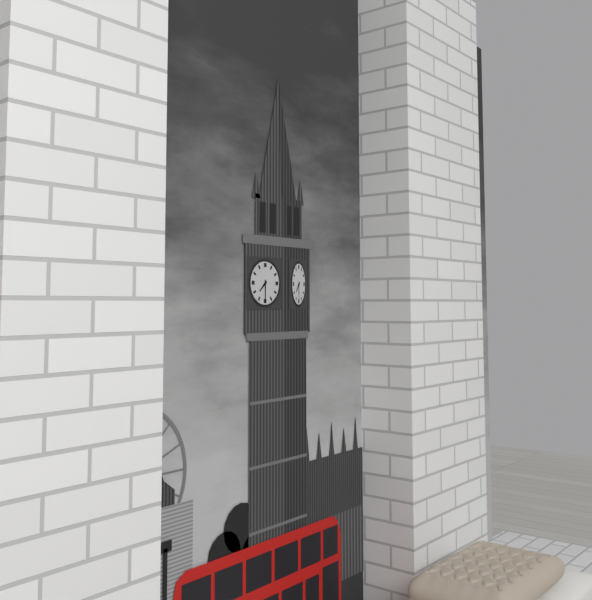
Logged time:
7h30
